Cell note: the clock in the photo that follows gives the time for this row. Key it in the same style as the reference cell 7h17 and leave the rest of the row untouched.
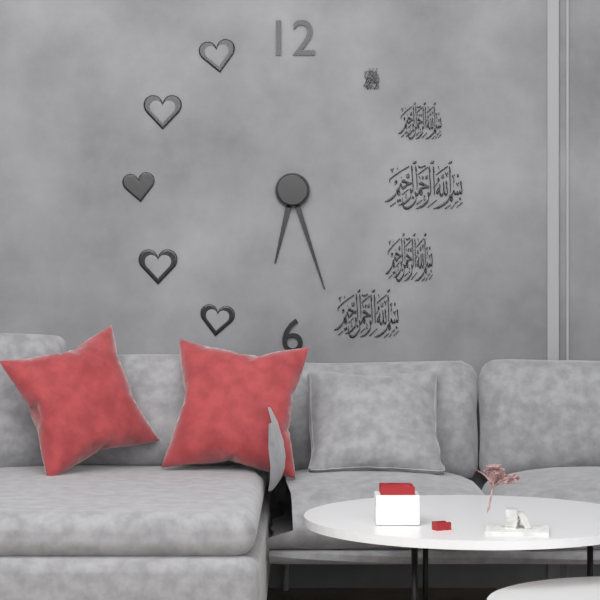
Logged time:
6h27
